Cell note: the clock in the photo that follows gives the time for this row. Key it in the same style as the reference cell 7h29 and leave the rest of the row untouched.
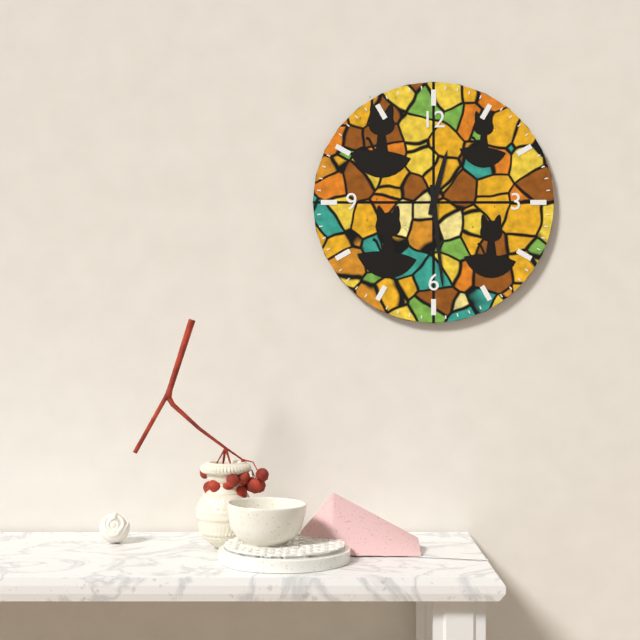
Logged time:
12h29
